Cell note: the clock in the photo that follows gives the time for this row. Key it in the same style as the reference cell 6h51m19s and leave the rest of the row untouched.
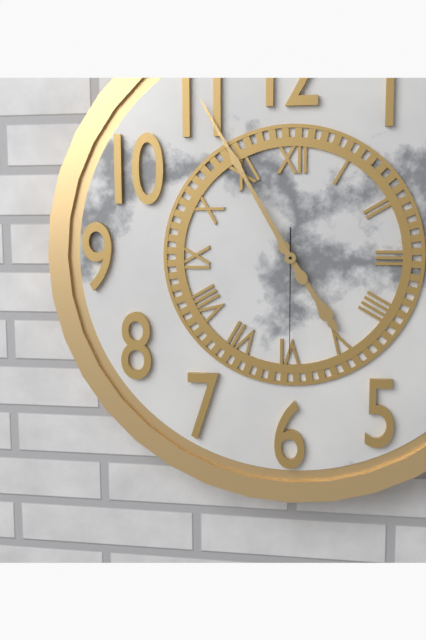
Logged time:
4h55m30s
